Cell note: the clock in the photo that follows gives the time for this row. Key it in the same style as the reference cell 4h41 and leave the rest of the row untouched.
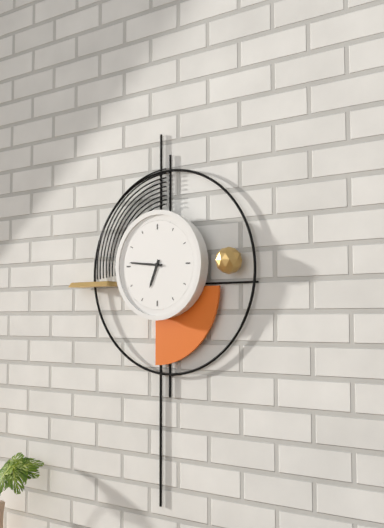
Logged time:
6h46
